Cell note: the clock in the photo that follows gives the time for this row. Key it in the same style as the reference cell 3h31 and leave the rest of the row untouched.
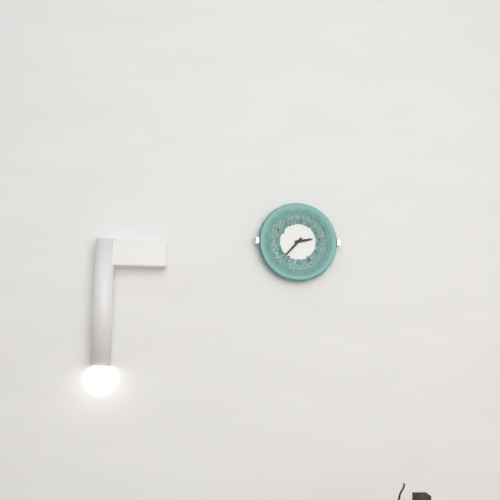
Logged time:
2h37
